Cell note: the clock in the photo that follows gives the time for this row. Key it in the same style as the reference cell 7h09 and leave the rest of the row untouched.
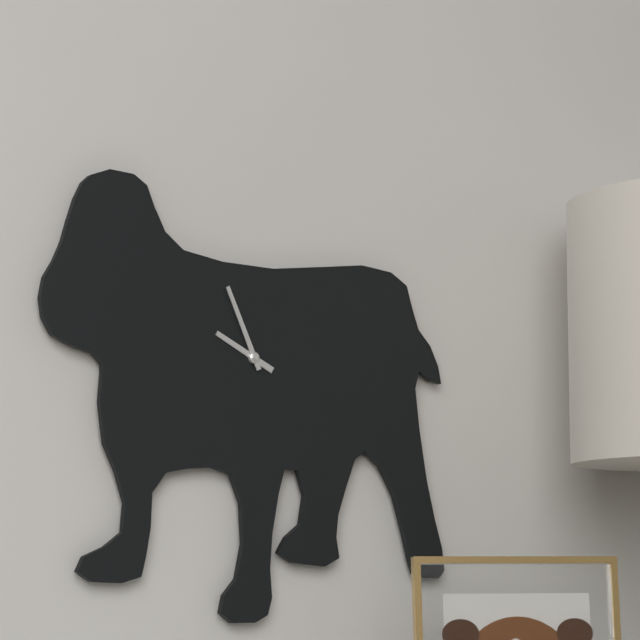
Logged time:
9h56
